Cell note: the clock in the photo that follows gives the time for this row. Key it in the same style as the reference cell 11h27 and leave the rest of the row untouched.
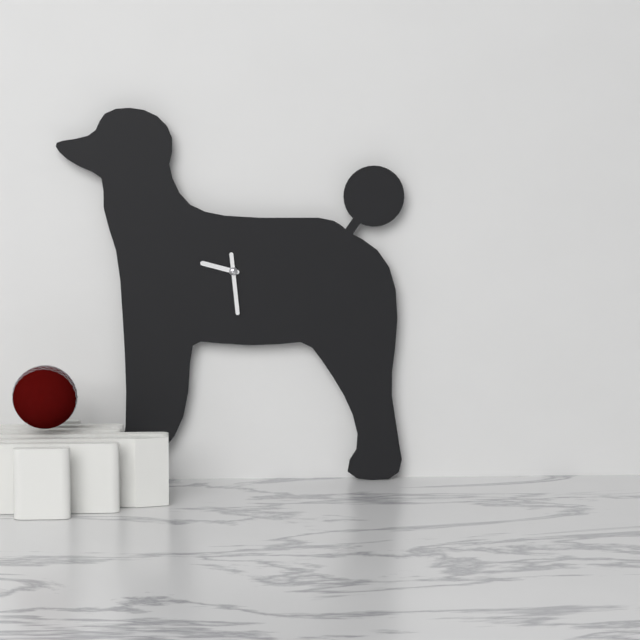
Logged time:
9h29
